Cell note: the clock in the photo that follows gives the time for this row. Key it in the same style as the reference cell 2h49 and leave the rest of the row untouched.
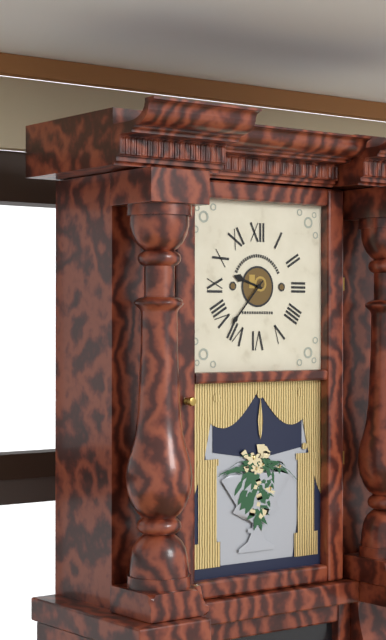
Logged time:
9h37
